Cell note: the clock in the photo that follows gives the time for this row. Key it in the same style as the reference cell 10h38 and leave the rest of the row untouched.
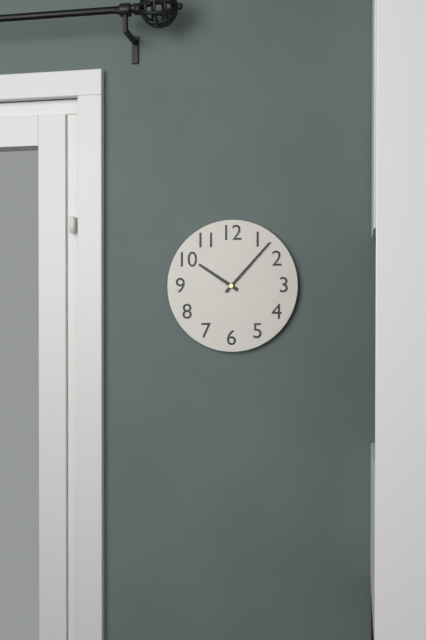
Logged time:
10h07
